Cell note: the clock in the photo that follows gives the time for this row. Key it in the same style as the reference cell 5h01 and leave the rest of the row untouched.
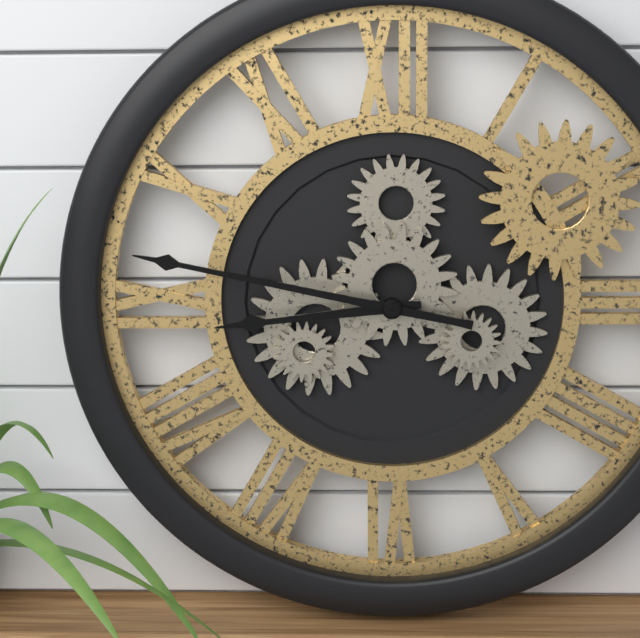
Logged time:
8h47
